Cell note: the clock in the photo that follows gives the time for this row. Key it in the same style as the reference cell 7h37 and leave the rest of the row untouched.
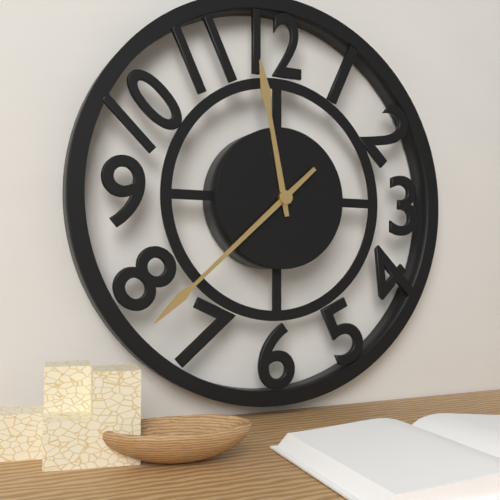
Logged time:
11h38
